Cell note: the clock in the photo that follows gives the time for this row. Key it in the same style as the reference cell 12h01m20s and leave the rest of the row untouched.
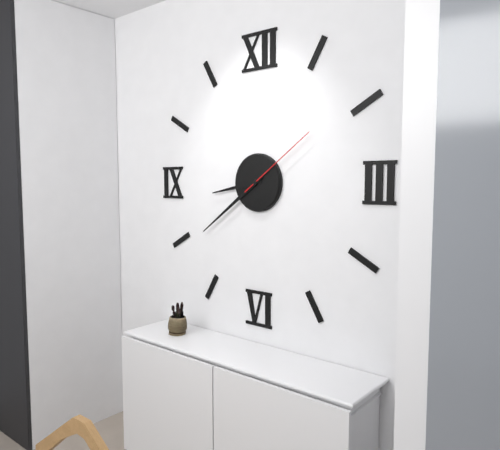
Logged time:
8h39m09s
